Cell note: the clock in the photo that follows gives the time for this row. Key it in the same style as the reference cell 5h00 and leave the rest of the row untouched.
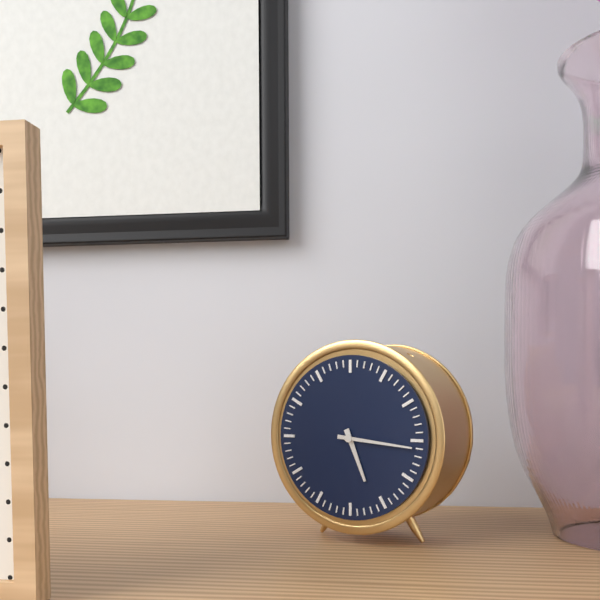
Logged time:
5h16
